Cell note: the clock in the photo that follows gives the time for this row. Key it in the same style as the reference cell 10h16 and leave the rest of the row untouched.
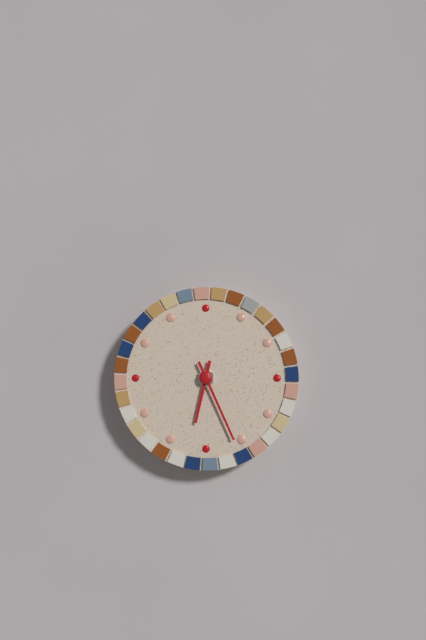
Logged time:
6h26
